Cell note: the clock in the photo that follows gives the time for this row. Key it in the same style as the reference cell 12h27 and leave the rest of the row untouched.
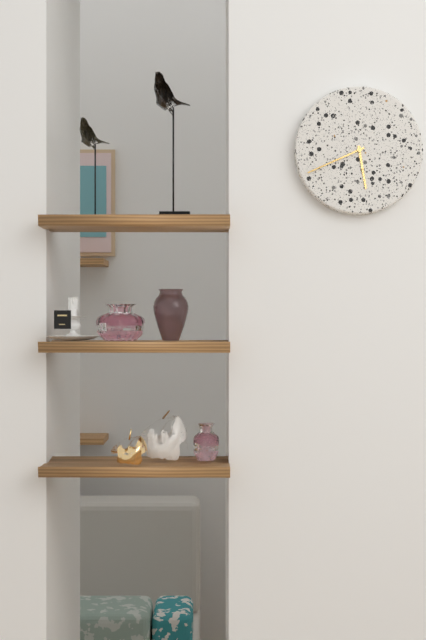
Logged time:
5h41
